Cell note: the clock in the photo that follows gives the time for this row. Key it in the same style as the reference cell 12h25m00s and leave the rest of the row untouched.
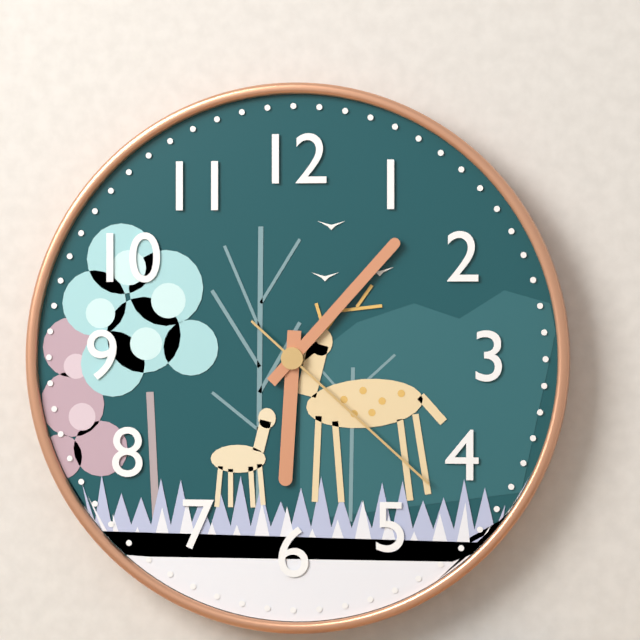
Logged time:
6h07m22s
